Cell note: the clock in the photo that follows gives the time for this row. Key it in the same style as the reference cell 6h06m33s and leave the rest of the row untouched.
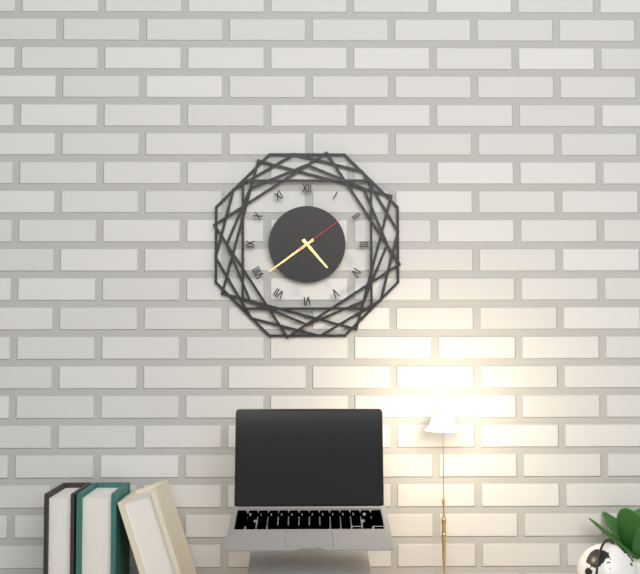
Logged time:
4h39m09s
